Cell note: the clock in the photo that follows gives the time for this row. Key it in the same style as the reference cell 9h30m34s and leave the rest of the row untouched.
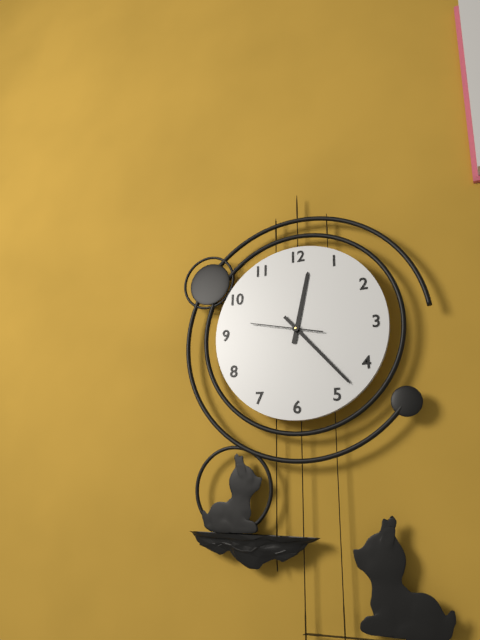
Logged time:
12h23m47s
